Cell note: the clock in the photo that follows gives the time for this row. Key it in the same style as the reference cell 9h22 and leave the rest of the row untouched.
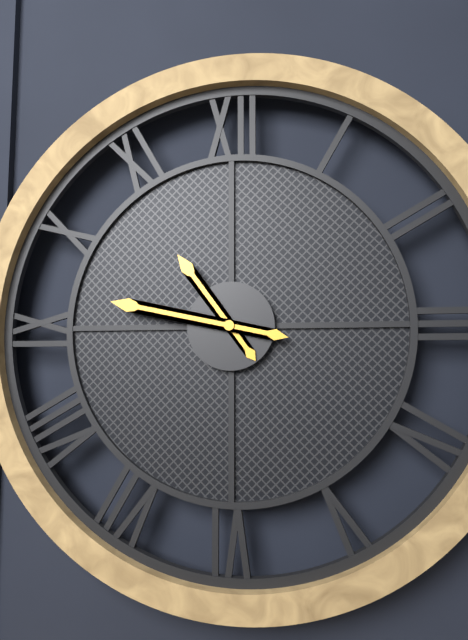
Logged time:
10h47
